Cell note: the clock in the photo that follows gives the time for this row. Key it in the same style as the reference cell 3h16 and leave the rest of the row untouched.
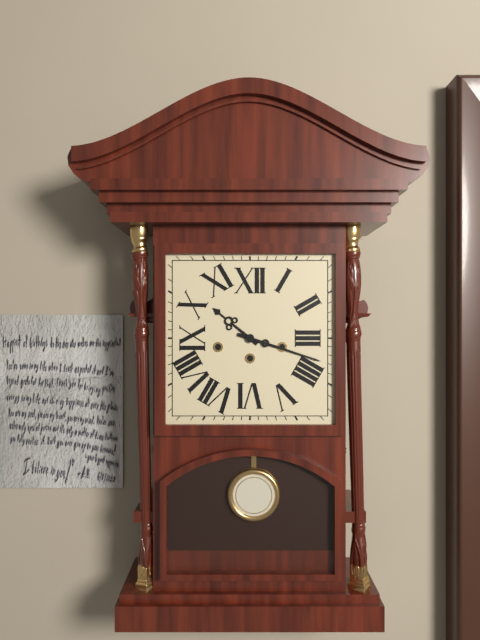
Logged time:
10h18
